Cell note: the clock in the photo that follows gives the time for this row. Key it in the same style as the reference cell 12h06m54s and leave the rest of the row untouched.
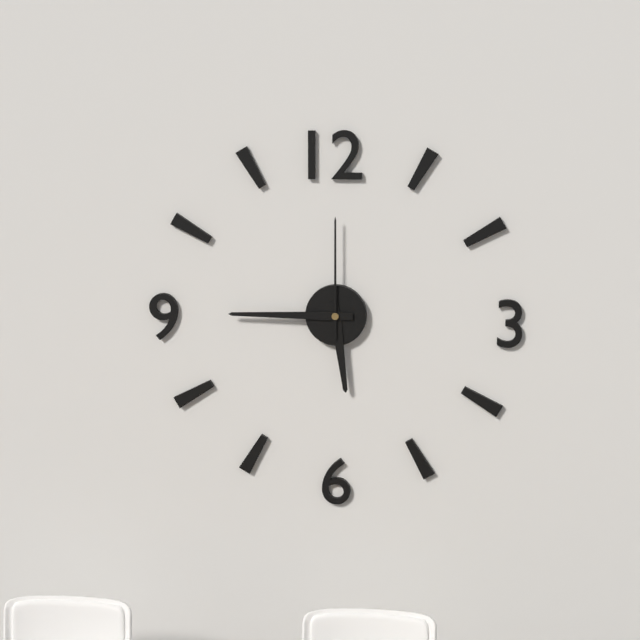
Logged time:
5h45m00s
